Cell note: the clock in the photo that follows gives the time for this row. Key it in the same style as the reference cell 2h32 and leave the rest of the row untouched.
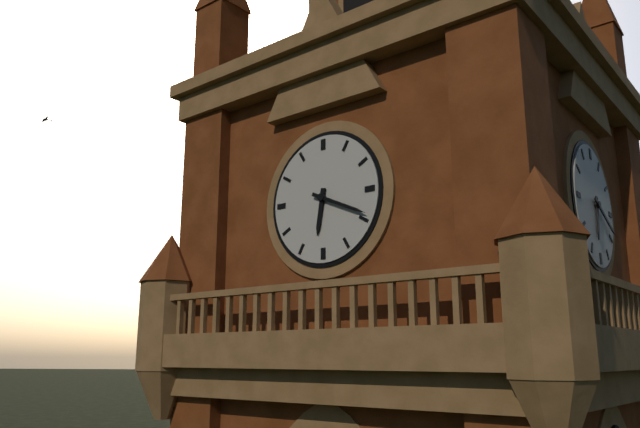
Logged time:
6h19
